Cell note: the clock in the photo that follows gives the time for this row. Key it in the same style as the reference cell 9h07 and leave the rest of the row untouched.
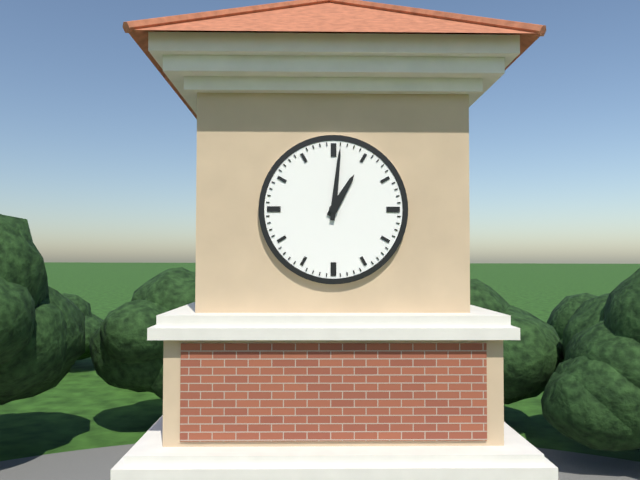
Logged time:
1h01
